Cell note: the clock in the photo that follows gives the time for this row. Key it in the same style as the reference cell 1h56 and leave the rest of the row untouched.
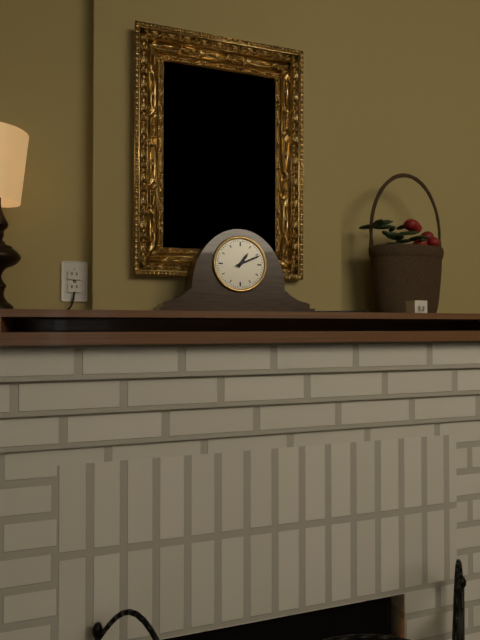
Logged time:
1h11
